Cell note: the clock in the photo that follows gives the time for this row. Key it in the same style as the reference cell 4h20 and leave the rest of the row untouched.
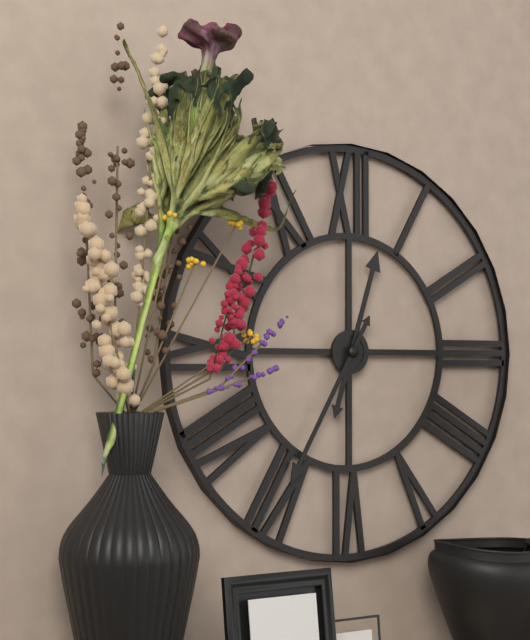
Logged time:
12h35
